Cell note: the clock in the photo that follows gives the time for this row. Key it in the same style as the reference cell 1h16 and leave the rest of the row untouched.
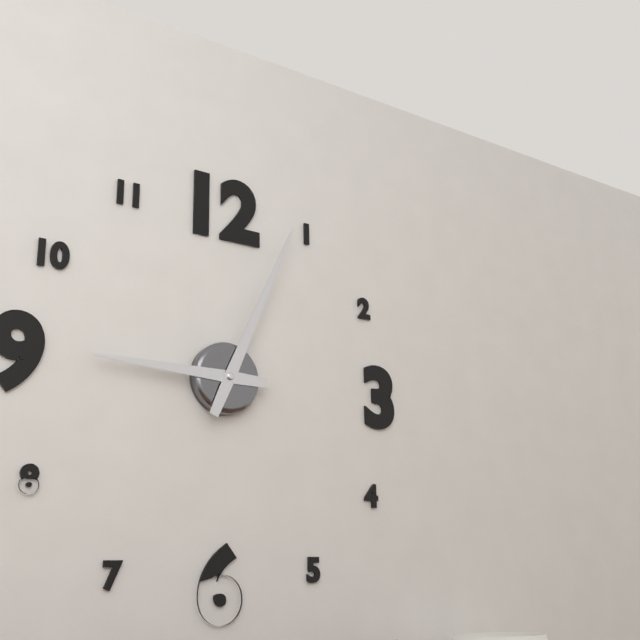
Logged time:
9h04
